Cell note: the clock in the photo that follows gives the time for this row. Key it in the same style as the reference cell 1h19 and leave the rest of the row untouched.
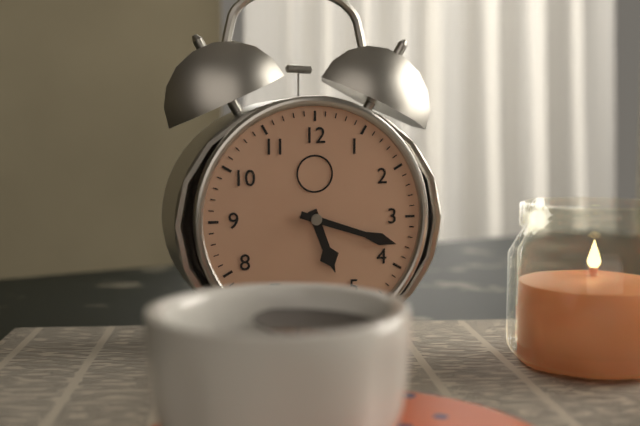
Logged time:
5h18
